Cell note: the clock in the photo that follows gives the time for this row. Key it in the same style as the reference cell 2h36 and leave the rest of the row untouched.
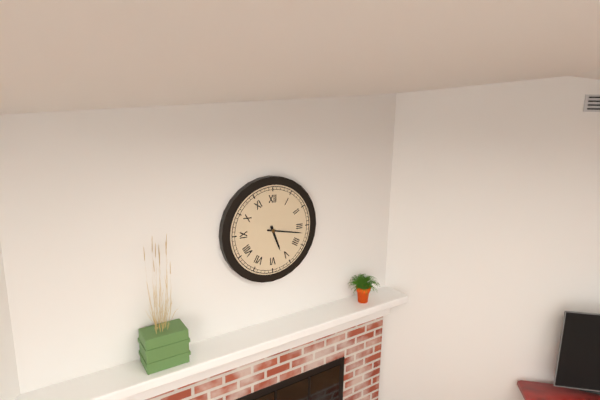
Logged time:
5h17
